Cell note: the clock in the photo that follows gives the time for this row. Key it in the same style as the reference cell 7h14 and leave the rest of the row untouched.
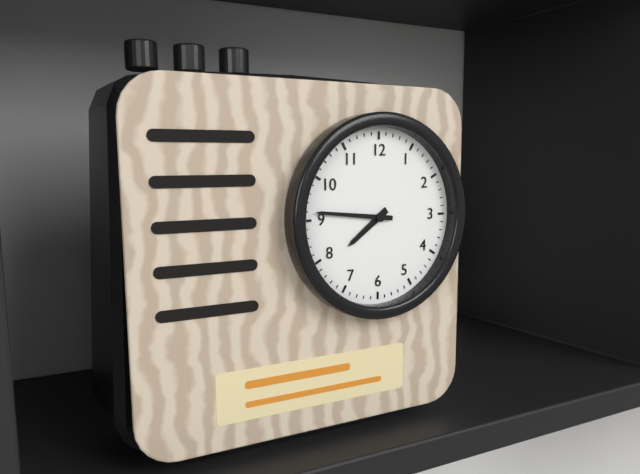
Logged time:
7h46
